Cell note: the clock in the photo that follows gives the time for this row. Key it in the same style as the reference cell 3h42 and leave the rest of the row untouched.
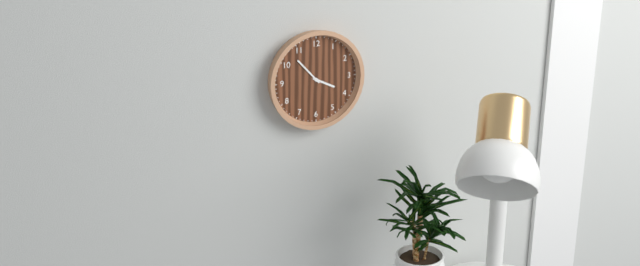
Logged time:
3h53
